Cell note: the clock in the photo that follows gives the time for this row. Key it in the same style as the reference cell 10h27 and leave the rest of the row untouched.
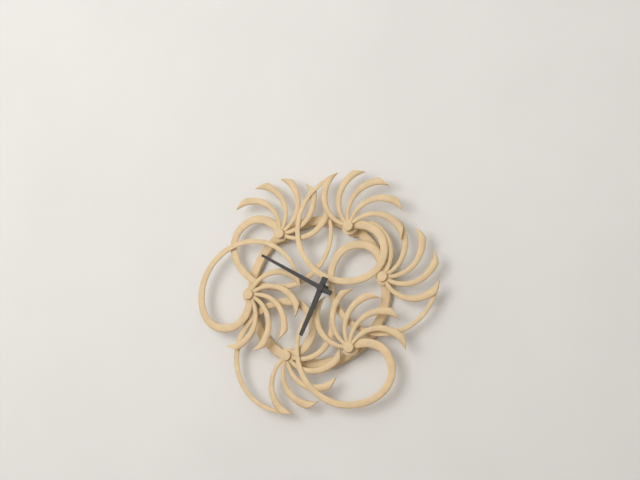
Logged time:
6h50
